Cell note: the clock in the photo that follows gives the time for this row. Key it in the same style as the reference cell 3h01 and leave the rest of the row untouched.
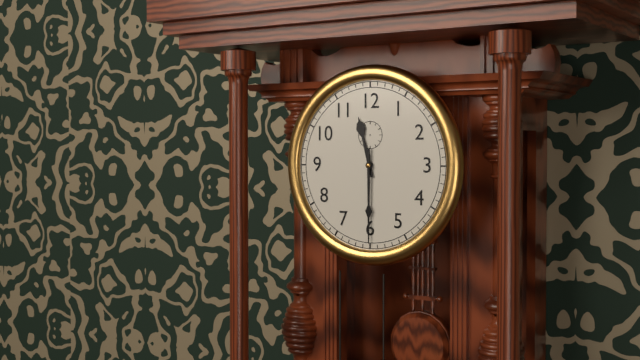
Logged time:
11h30
